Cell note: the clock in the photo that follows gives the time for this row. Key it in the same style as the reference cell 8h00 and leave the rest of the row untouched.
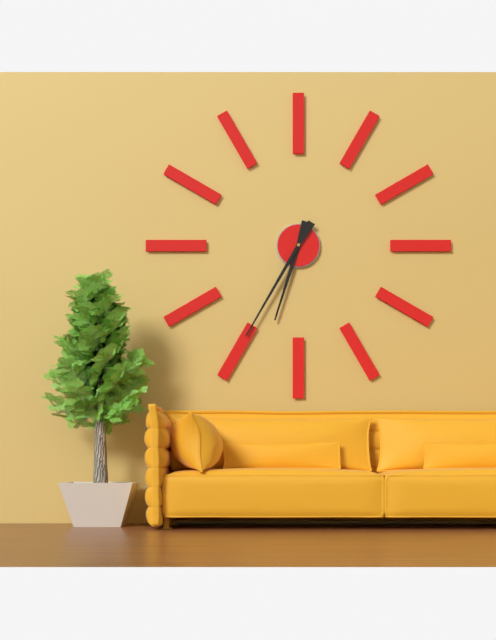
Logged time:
6h35
